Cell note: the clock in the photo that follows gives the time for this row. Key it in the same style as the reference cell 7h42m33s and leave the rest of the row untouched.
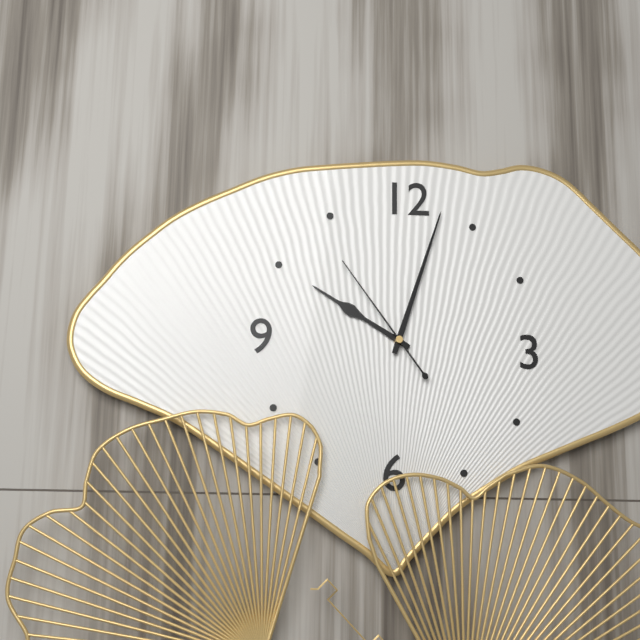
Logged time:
10h03m54s
